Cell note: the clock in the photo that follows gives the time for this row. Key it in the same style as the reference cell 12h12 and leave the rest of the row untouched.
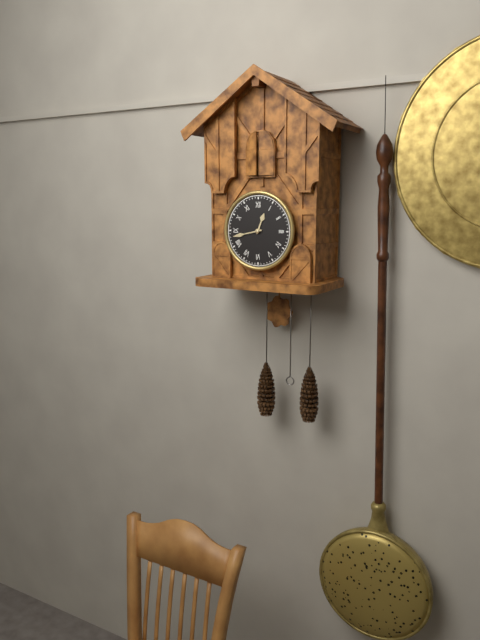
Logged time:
12h43
